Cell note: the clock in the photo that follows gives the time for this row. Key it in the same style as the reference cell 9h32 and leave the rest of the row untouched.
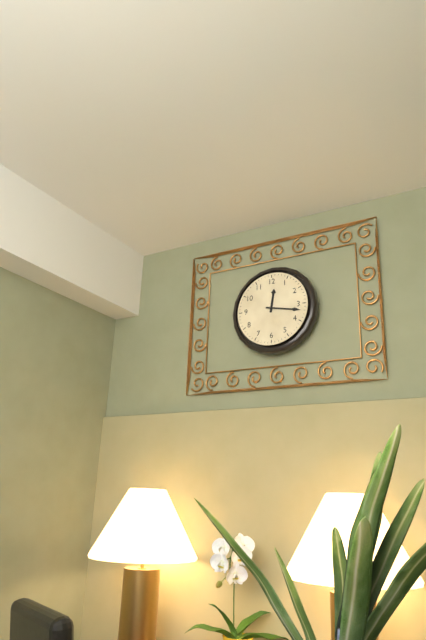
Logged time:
12h17
